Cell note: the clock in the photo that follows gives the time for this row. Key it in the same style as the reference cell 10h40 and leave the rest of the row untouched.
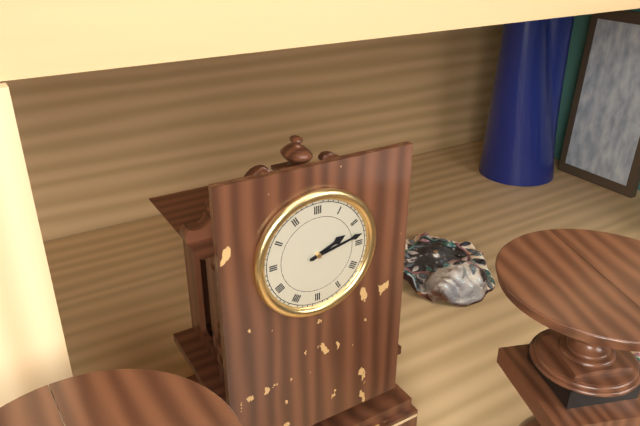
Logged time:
2h13
